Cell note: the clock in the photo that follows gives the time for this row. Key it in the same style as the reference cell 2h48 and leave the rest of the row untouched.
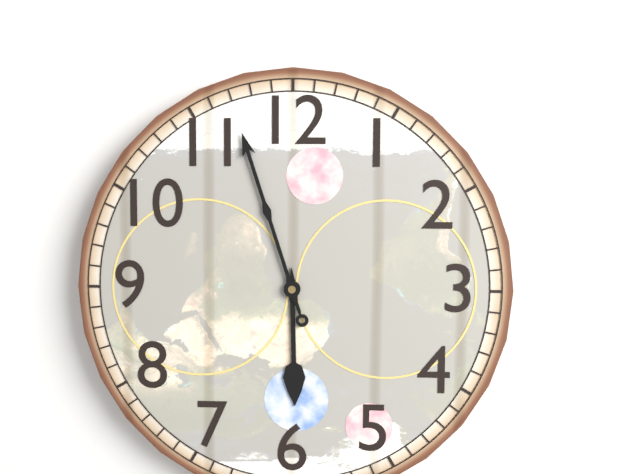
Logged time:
5h57
